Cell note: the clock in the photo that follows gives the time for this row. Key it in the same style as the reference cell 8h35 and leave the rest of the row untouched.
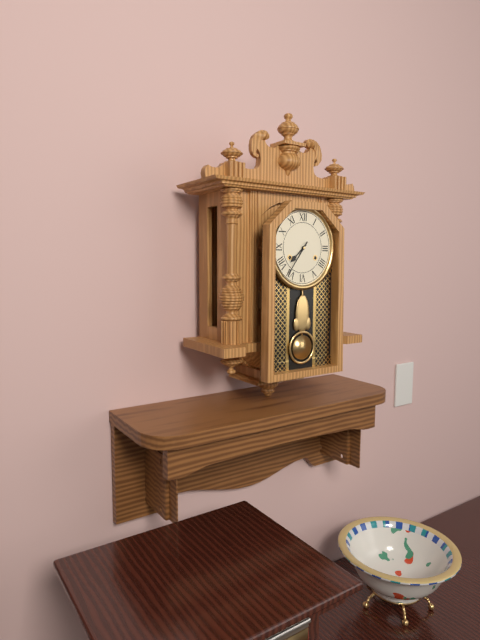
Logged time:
7h36
